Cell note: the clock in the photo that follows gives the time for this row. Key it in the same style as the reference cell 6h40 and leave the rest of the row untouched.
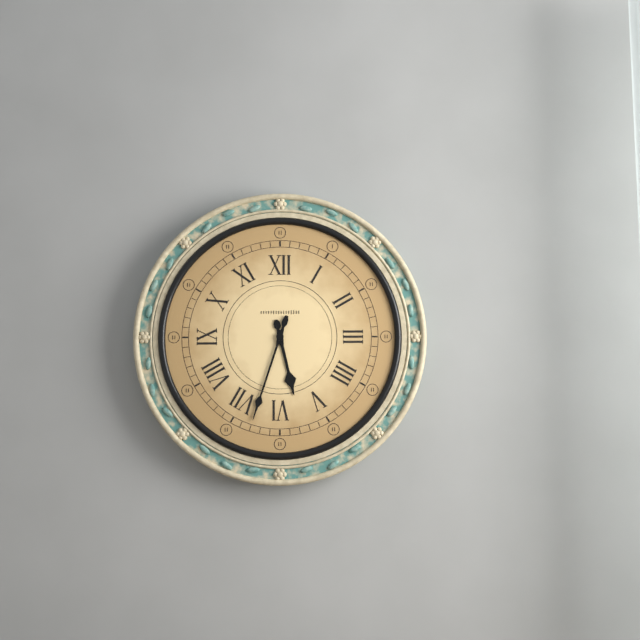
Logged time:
5h33
